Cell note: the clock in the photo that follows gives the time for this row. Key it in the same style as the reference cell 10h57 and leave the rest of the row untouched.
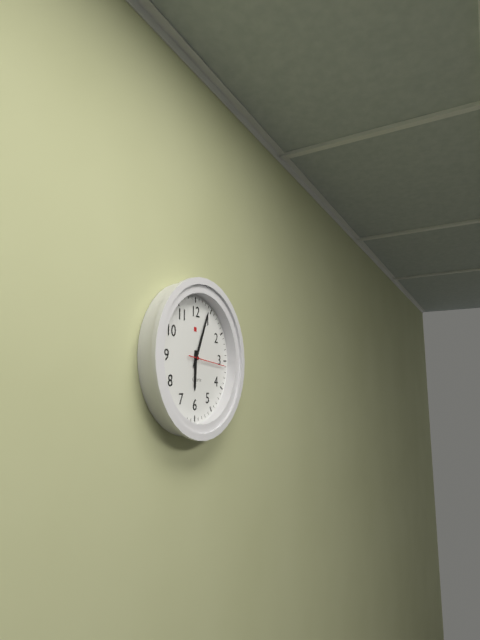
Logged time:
6h04
